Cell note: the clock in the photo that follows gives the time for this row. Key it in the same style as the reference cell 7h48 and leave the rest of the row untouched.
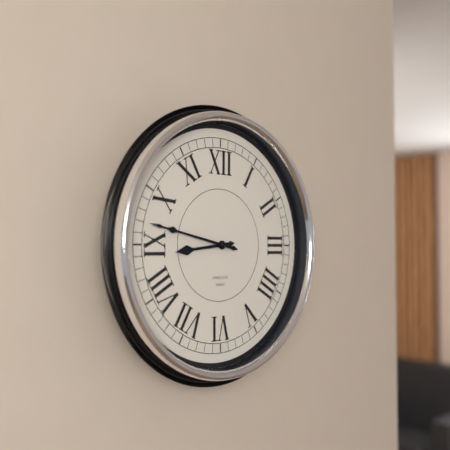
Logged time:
8h47
